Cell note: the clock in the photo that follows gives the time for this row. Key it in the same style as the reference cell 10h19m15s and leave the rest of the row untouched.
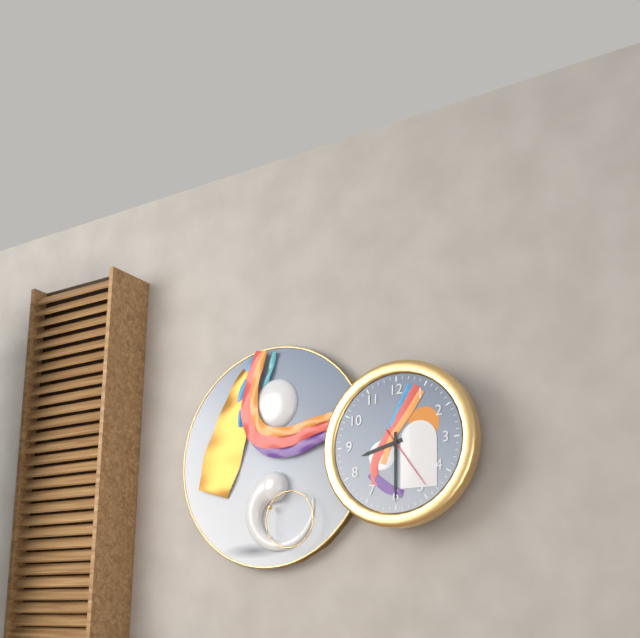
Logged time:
8h30m24s
